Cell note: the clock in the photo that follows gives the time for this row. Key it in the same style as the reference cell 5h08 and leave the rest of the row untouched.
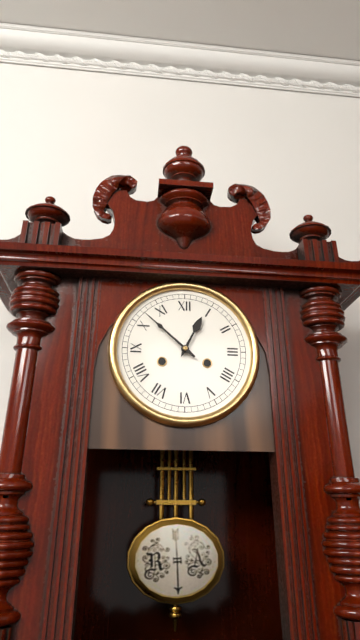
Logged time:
12h52
